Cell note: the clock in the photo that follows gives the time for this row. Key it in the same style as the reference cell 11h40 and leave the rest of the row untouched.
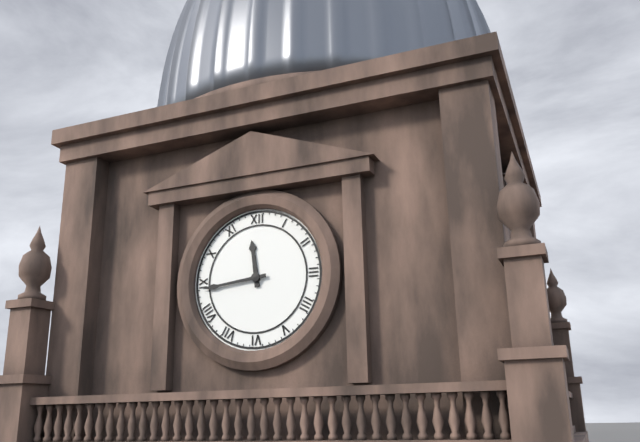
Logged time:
11h44
